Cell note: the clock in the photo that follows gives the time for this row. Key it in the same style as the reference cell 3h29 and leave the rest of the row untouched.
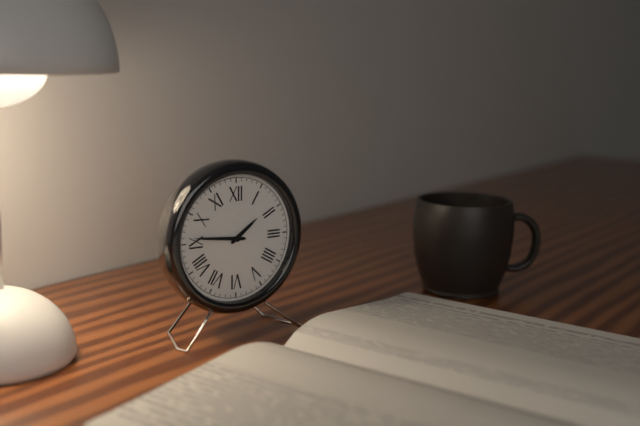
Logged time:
1h46
